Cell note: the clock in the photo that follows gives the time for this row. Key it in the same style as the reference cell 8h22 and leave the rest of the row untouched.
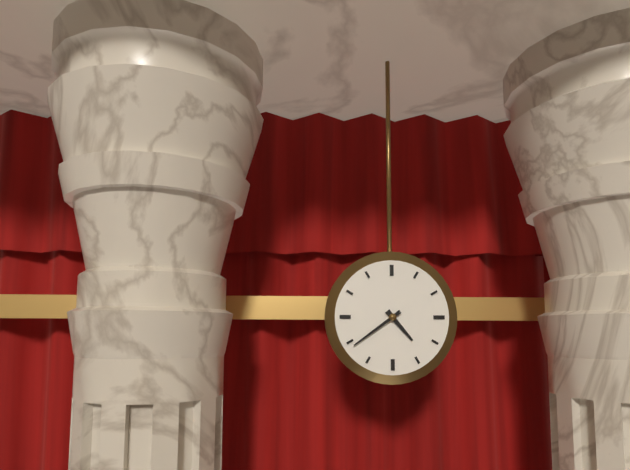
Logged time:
4h39
